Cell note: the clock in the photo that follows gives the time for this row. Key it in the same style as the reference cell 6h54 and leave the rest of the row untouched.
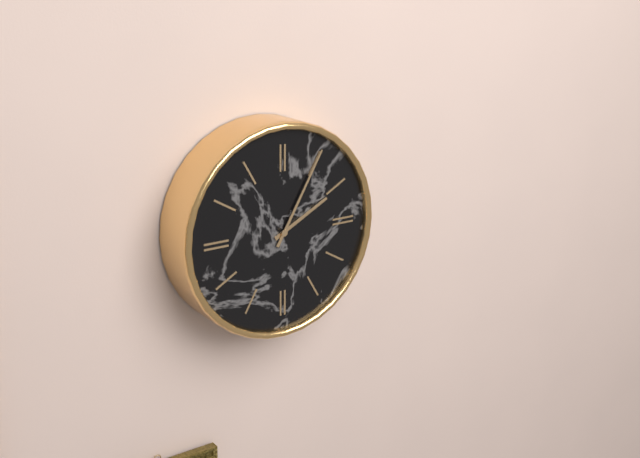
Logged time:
2h05
